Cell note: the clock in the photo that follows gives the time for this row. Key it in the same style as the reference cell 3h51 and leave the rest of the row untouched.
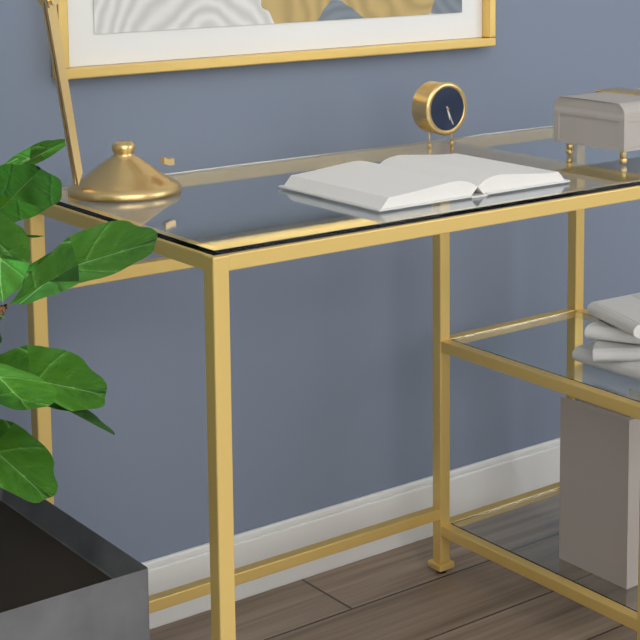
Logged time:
5h26
